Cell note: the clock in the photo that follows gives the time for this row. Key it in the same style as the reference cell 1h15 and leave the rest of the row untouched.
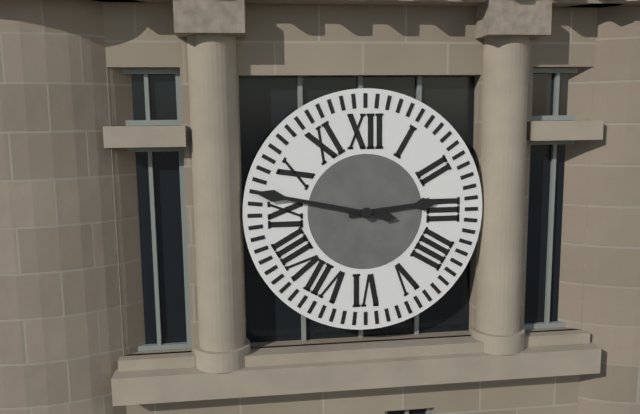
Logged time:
2h47
